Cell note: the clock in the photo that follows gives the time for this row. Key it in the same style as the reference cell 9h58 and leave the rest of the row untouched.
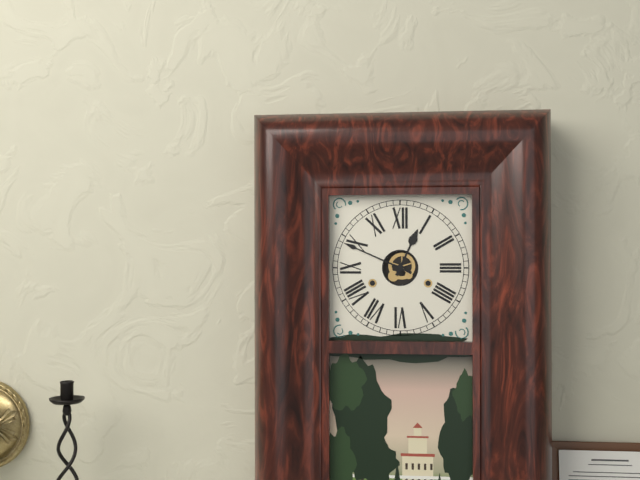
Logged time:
12h49
